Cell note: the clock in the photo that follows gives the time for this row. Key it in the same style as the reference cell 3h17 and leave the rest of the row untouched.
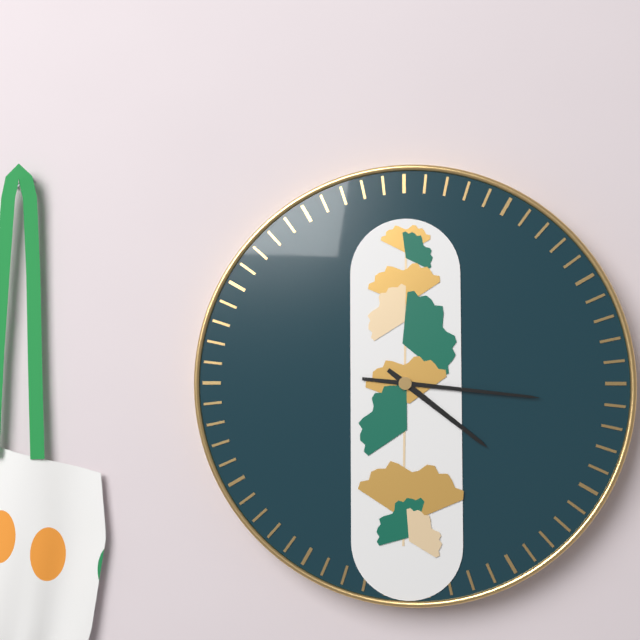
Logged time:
4h16
